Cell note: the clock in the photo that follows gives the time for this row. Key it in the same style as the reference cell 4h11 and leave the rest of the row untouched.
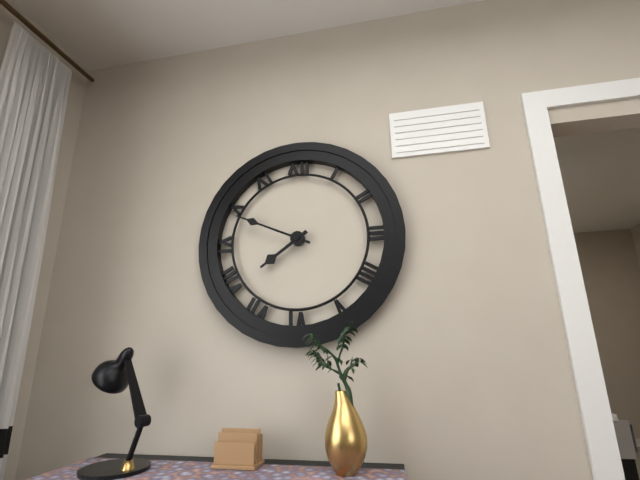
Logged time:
7h49
